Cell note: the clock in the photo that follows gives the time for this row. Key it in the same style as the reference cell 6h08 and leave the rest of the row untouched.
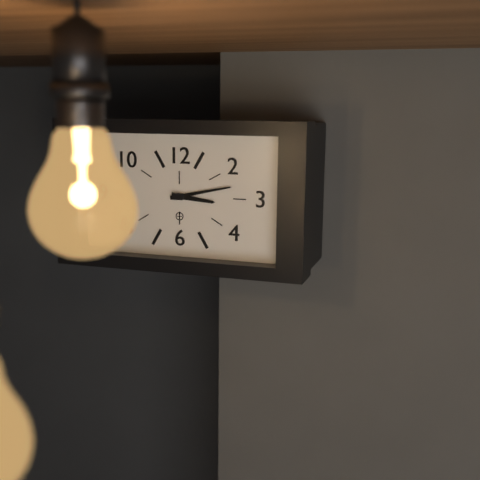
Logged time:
3h13
